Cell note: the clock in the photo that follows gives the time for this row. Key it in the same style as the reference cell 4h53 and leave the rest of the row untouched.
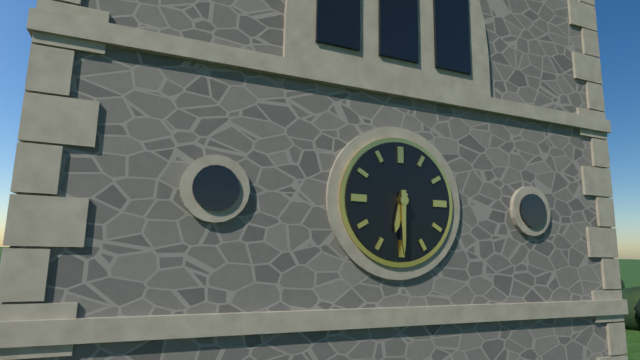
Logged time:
6h30
